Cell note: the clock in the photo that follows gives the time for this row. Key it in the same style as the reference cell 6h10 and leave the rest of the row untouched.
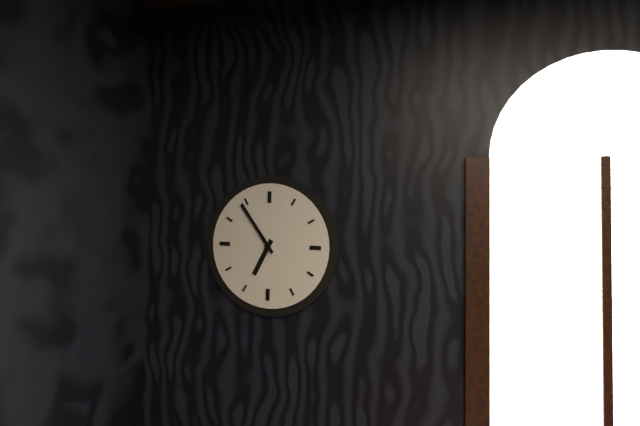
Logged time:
6h54
